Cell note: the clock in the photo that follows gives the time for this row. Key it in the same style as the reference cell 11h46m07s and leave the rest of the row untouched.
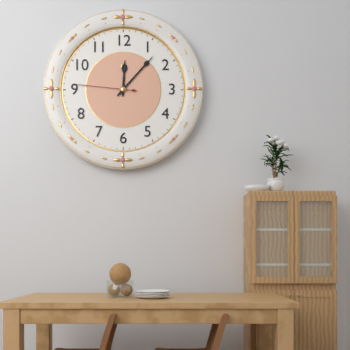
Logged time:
12h07m46s
